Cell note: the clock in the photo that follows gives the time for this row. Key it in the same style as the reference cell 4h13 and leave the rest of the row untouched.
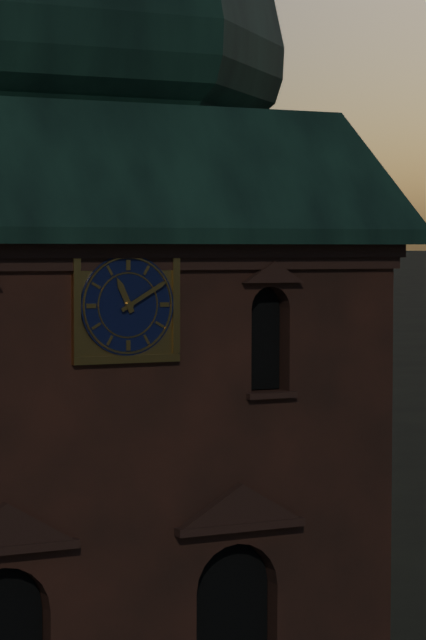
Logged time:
11h10
